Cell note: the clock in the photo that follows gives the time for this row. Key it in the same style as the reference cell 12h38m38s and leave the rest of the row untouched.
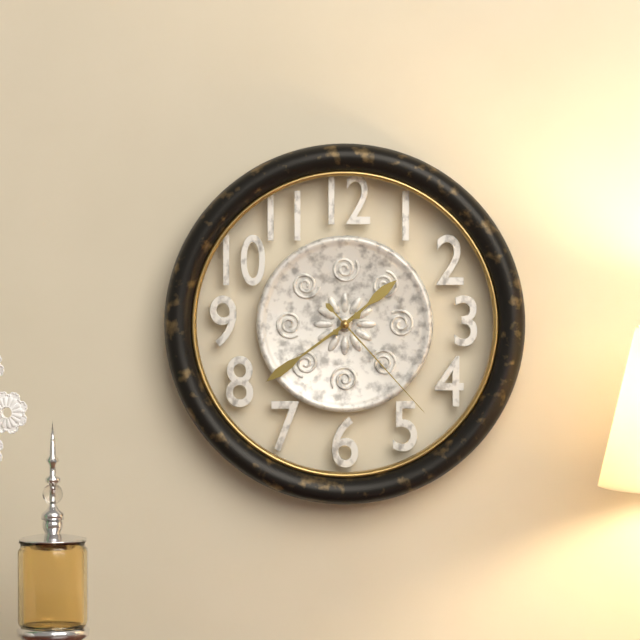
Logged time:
1h39m23s
